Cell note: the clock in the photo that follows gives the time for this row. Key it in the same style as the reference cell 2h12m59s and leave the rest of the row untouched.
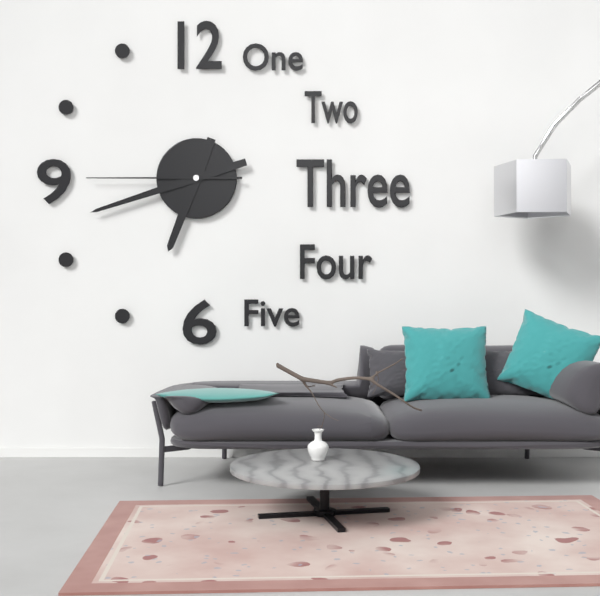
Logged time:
6h42m45s
